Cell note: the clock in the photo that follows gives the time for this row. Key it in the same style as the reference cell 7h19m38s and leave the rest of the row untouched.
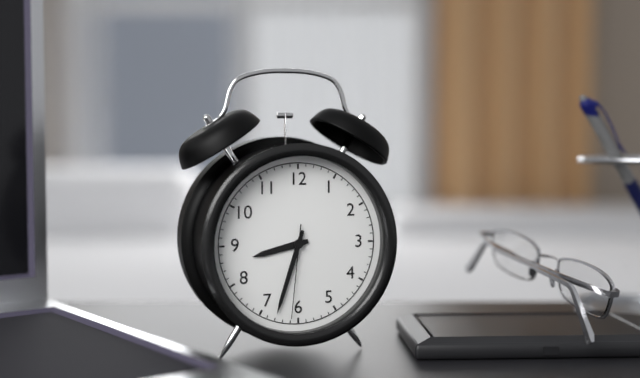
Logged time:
8h33m31s
